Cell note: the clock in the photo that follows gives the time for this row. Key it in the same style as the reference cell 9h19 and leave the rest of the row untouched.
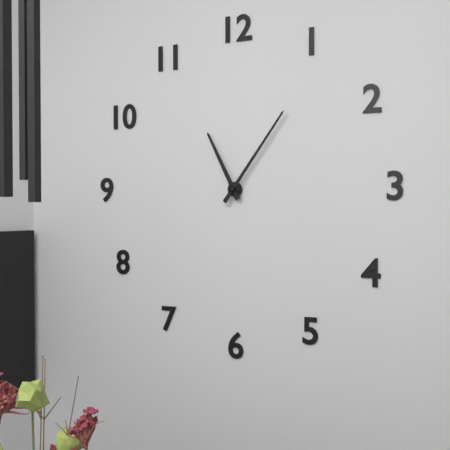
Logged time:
11h06
